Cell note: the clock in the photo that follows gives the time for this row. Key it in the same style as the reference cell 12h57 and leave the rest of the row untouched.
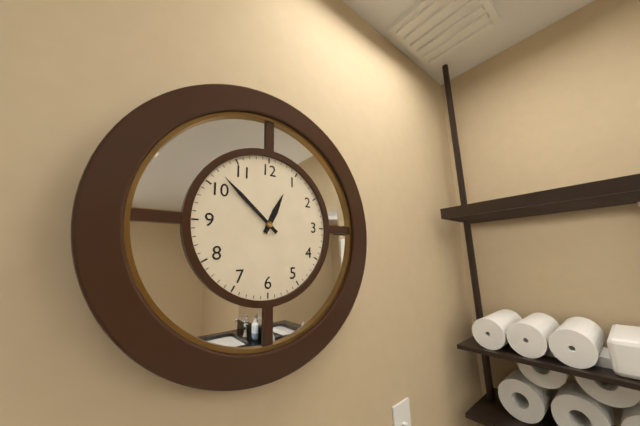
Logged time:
12h52
